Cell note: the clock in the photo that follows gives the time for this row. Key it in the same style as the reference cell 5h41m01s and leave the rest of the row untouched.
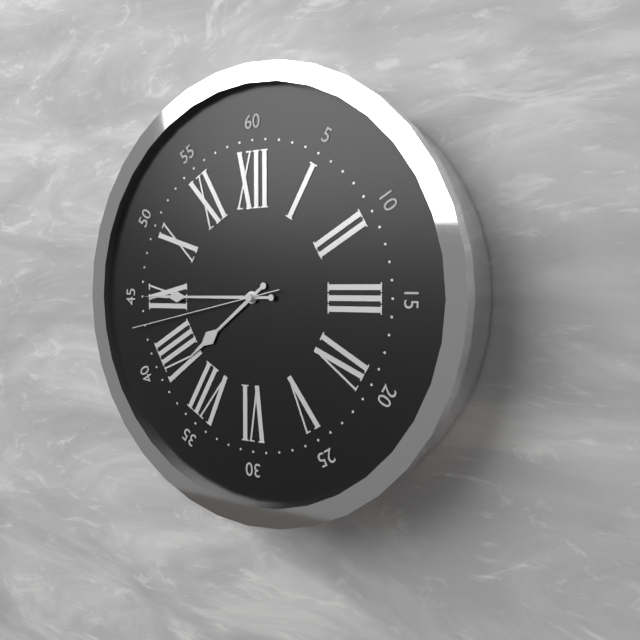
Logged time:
7h45m43s
